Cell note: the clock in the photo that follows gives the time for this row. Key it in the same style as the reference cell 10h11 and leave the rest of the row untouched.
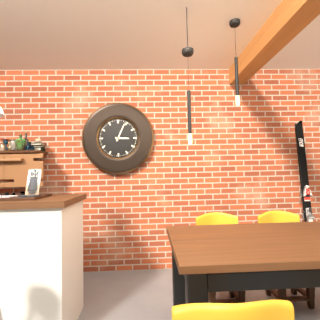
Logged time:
3h04
